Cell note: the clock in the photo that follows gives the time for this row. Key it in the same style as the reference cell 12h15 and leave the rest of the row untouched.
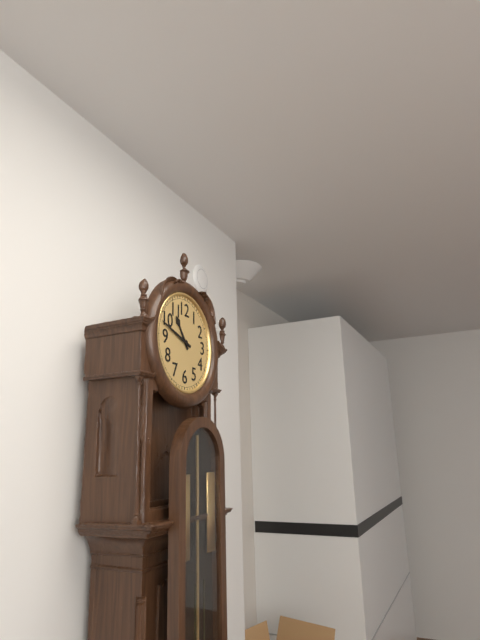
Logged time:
10h48
